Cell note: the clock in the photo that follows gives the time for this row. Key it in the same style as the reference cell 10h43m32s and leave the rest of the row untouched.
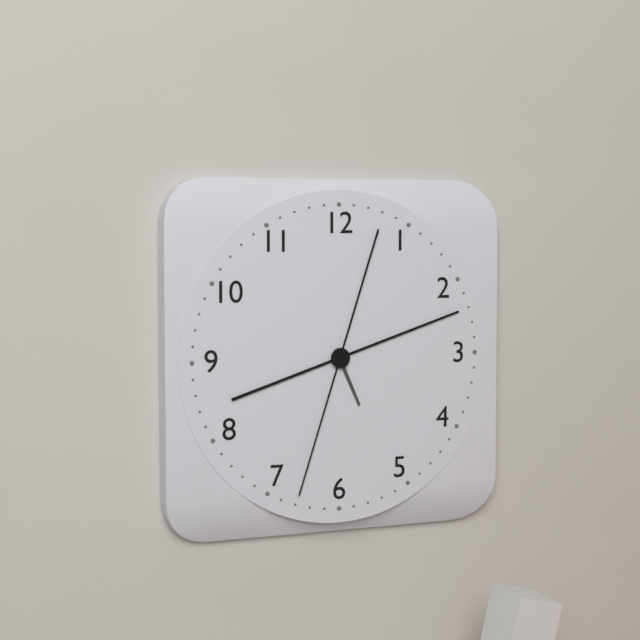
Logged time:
5h12m33s
